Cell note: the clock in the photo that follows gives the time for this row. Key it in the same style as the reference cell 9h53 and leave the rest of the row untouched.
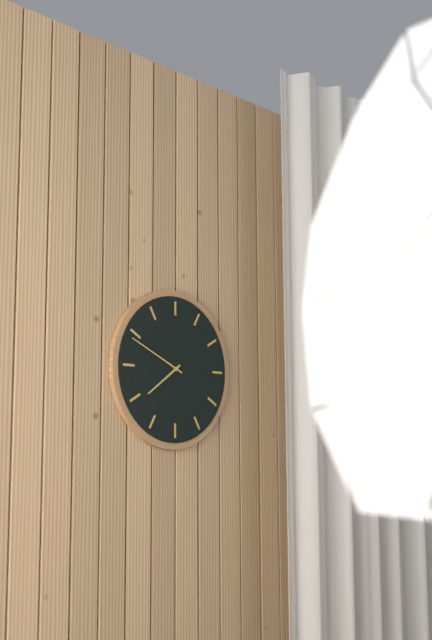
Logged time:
7h49
